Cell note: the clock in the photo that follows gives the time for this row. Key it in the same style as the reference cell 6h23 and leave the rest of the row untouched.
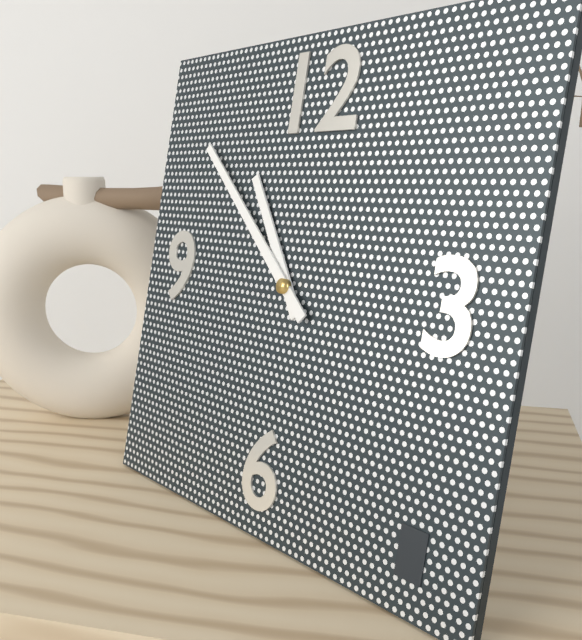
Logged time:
10h52
